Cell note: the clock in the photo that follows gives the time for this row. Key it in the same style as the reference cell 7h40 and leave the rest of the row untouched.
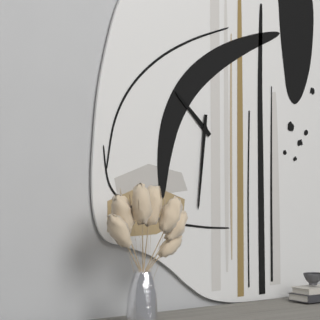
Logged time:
10h31
